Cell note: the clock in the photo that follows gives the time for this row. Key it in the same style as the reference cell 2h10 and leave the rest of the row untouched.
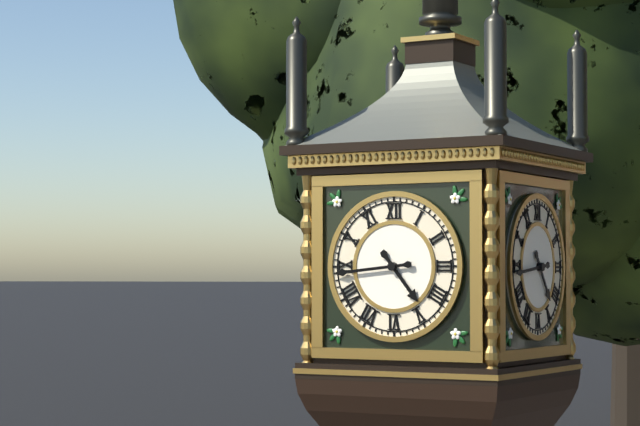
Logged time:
4h44
